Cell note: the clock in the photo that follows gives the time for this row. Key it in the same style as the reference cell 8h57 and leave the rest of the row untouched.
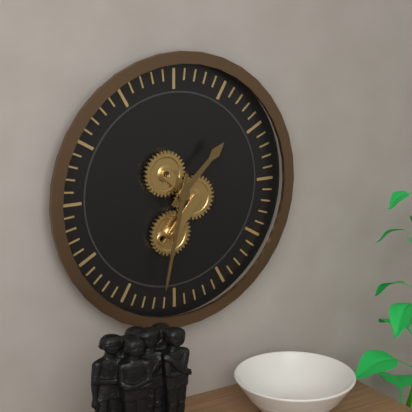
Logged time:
1h32
